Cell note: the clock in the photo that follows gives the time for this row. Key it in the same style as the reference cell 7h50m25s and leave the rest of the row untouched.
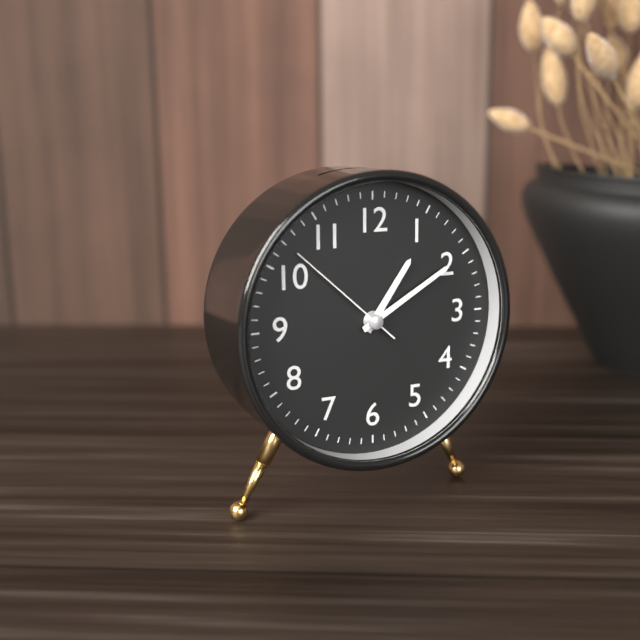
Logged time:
1h10m52s
